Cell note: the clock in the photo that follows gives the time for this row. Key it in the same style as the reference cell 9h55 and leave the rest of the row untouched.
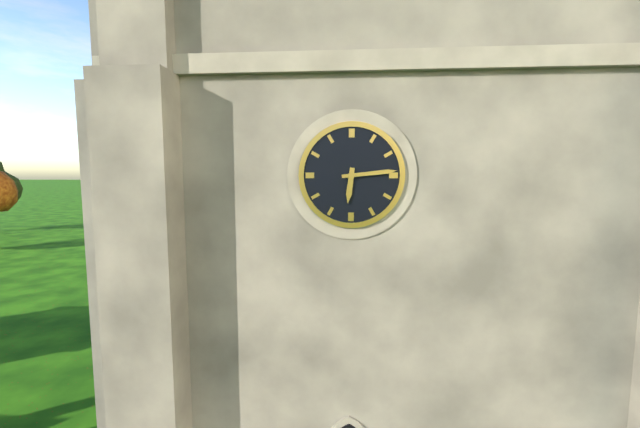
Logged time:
6h14
